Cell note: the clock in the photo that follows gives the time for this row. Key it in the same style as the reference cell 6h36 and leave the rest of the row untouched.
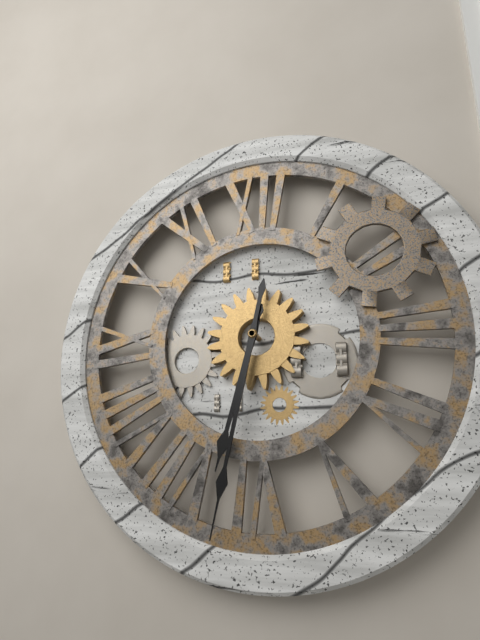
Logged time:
6h32
